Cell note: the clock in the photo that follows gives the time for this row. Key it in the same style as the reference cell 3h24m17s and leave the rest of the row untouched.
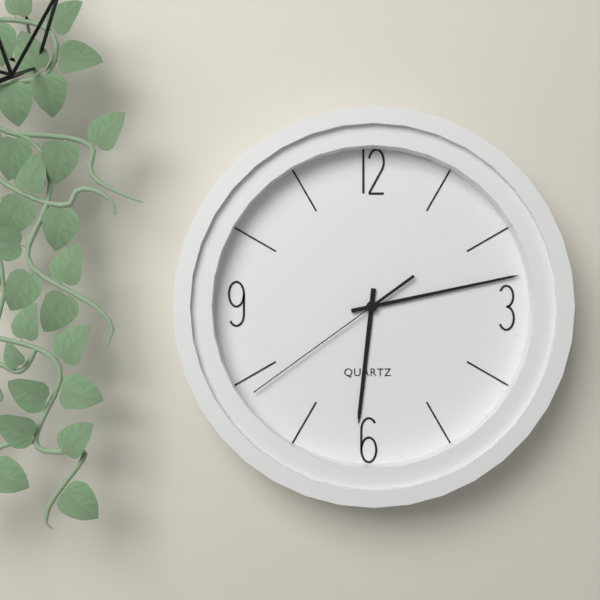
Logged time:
6h13m39s
